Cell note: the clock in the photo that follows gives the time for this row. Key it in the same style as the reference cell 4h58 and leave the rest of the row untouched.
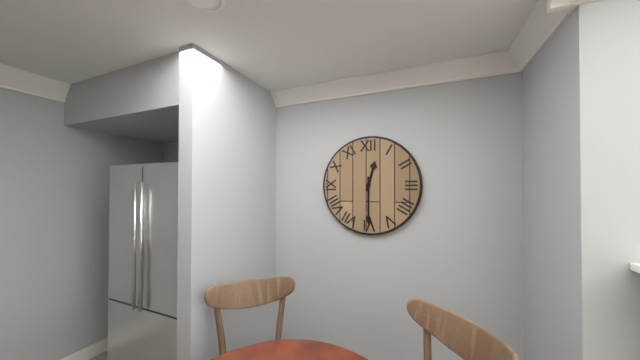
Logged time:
12h30
